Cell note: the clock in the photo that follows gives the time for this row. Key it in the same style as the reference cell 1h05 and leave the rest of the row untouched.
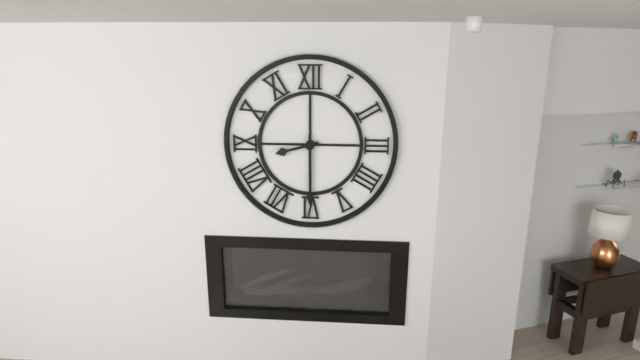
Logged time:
8h30
